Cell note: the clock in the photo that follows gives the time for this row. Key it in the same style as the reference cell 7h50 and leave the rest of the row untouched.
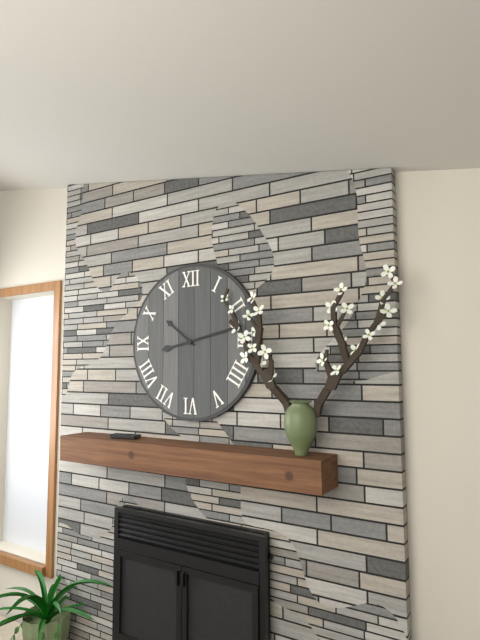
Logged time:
10h13
